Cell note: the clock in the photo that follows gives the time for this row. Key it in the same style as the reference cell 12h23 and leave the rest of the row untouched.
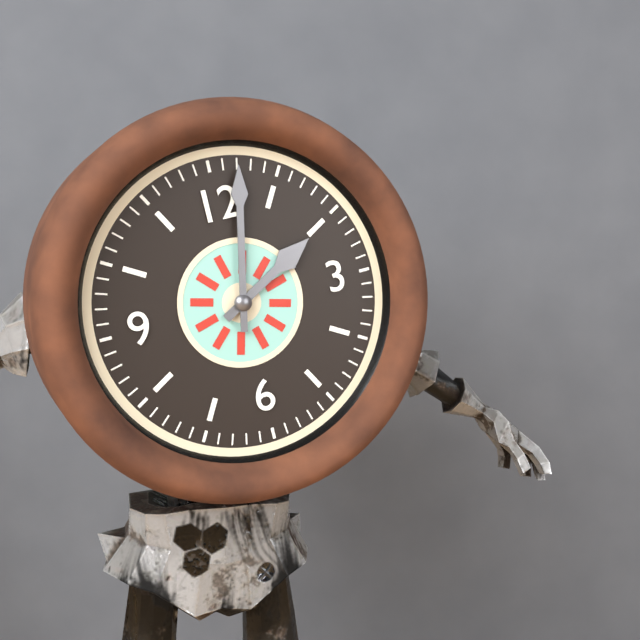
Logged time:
2h02
